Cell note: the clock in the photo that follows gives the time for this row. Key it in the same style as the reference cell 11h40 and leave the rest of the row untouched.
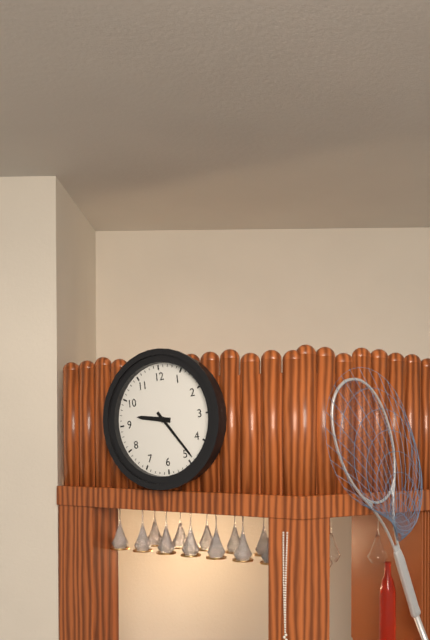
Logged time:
9h24
